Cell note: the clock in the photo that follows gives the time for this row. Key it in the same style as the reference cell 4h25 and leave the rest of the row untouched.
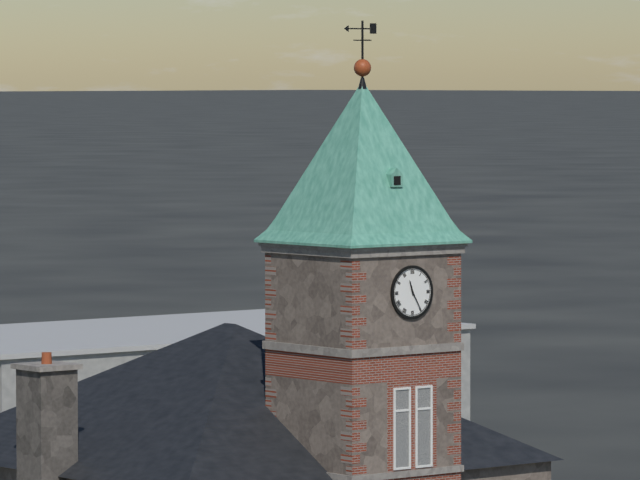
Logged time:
11h25
